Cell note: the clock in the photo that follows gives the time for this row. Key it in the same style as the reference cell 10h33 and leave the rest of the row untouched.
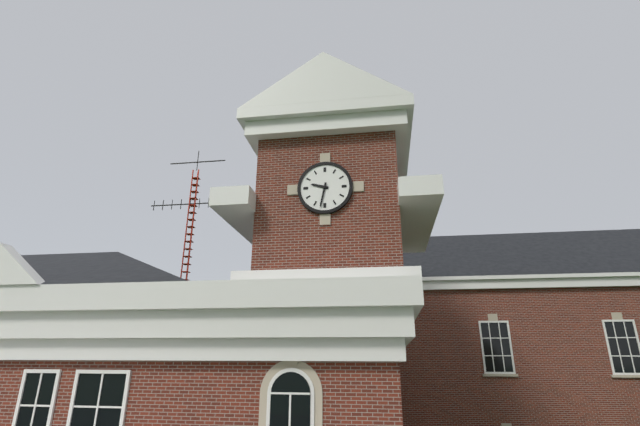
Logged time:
9h32
